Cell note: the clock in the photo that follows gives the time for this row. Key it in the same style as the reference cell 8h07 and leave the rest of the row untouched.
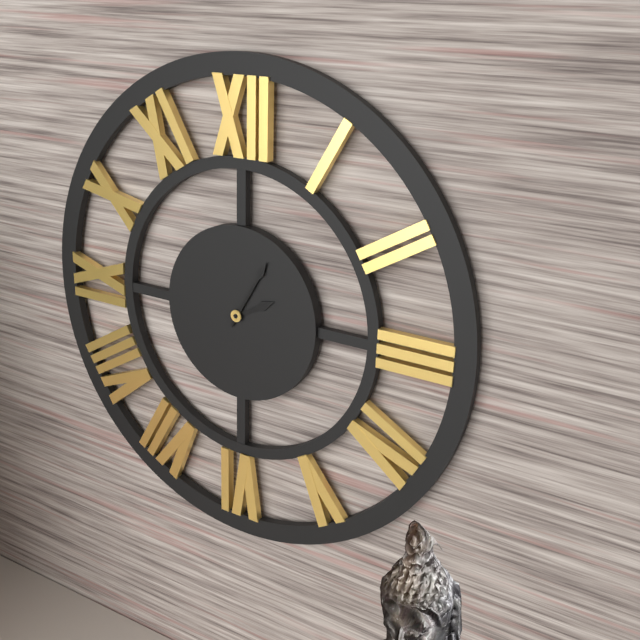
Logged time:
2h05
